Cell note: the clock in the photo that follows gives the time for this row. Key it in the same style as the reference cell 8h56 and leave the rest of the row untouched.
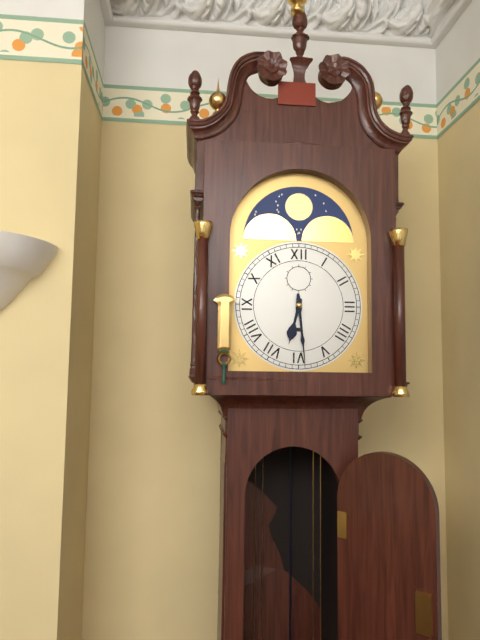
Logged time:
6h29
